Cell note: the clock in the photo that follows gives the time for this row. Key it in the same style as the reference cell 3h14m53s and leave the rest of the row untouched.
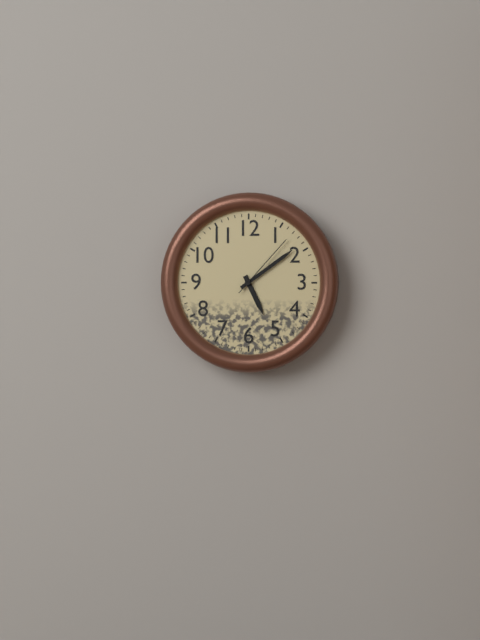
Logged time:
5h09m07s
